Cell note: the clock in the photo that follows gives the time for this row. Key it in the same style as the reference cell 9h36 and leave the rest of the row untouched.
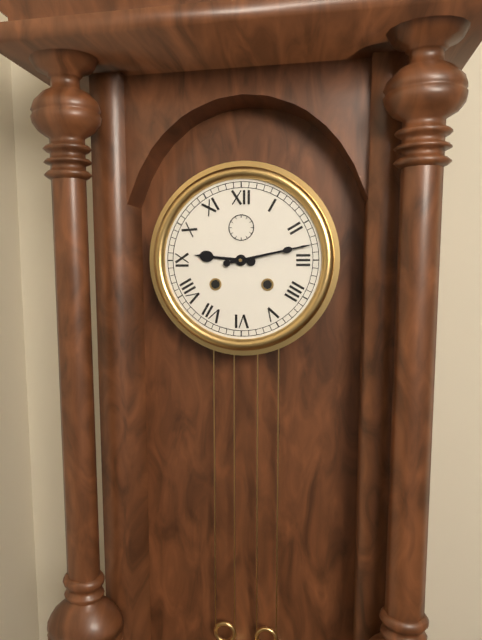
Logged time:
9h13
